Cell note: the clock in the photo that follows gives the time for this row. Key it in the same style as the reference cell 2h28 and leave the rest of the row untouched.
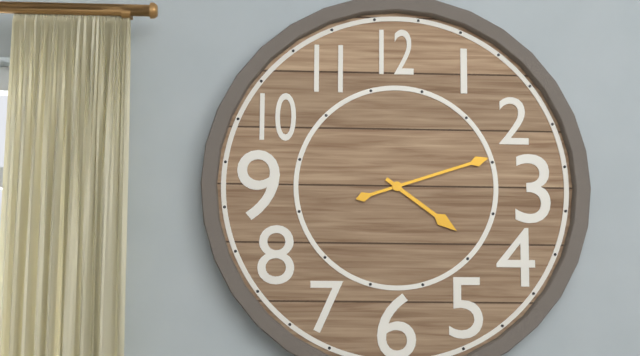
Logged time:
4h12
